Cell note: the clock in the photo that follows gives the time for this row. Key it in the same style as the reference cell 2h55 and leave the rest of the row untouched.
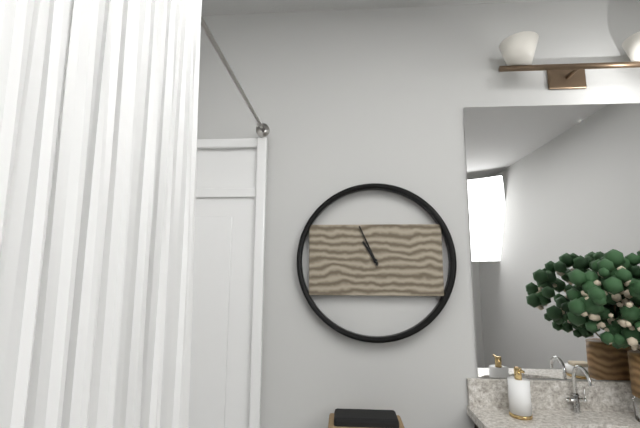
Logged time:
10h56
